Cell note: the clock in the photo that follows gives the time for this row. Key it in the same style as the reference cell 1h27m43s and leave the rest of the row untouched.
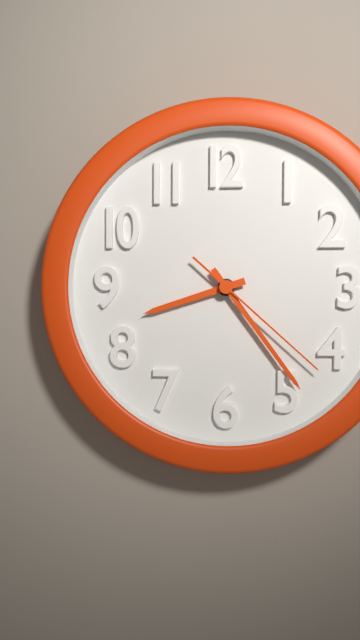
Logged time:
8h24m22s
